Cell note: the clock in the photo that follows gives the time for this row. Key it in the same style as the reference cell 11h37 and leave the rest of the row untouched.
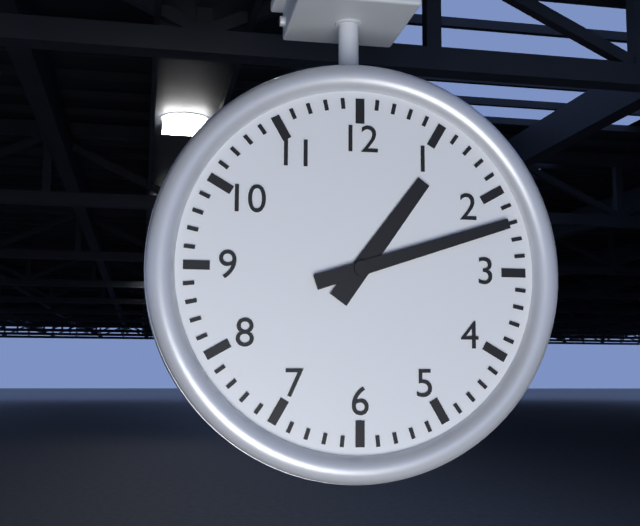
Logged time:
1h12
